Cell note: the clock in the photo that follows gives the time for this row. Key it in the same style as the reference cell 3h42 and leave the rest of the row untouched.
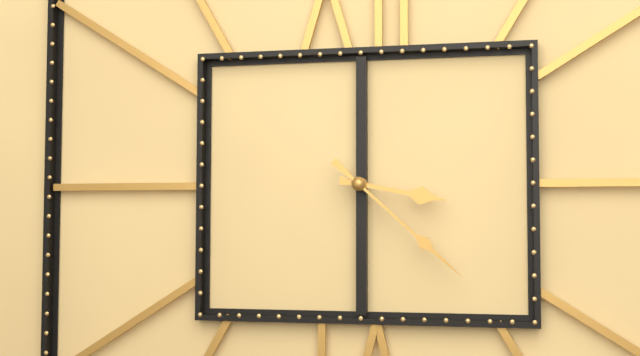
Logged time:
3h22
